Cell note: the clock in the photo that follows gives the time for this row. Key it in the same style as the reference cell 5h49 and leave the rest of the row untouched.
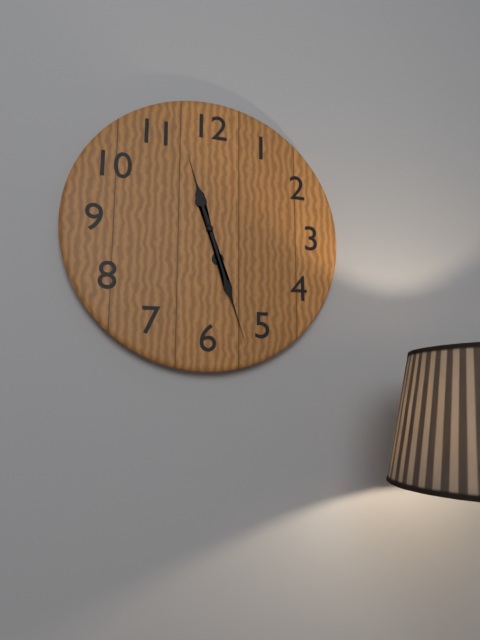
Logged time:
11h27
